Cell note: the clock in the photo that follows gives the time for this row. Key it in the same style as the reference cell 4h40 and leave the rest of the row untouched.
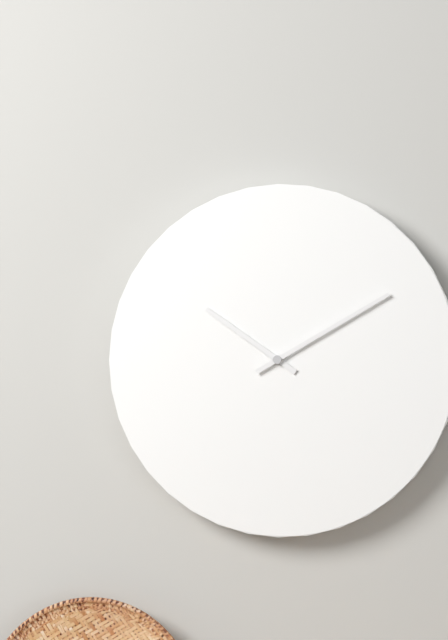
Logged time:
10h10
